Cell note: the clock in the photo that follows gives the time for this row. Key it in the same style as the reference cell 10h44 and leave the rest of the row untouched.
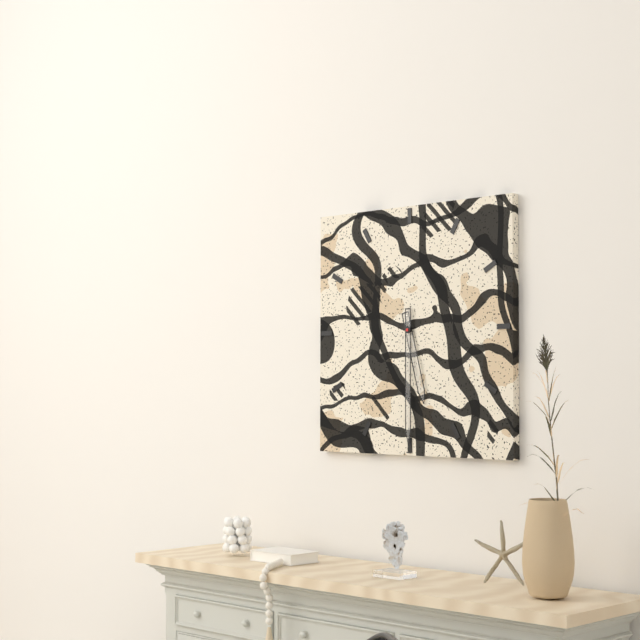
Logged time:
5h30
